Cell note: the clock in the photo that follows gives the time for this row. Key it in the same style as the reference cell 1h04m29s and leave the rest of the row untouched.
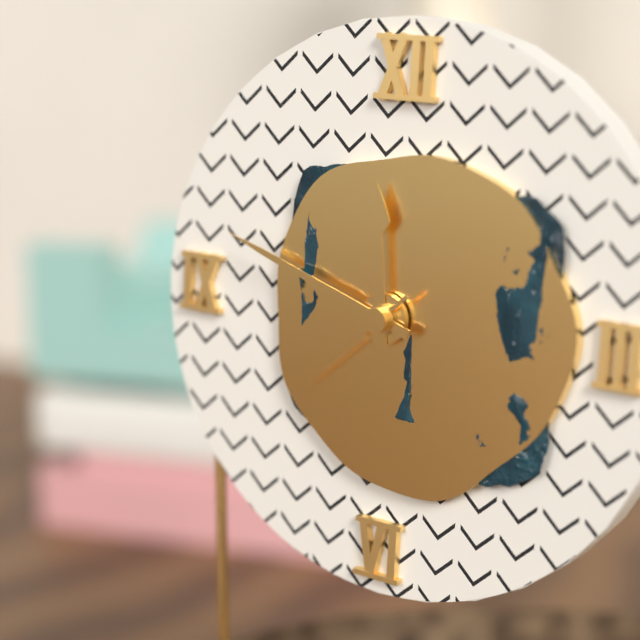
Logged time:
11h48m38s
